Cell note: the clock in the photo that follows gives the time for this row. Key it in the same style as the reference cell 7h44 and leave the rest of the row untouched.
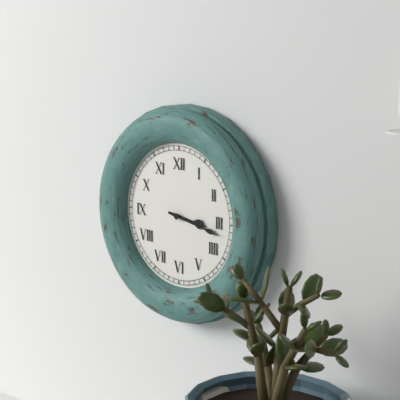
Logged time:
3h17
